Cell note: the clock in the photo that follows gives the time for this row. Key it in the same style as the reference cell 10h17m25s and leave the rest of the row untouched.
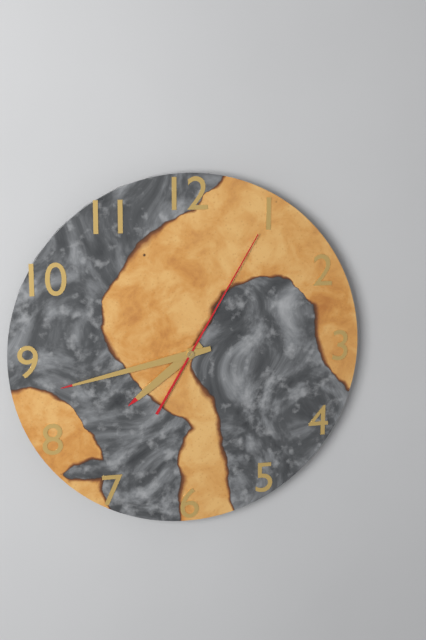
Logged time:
7h43m05s
